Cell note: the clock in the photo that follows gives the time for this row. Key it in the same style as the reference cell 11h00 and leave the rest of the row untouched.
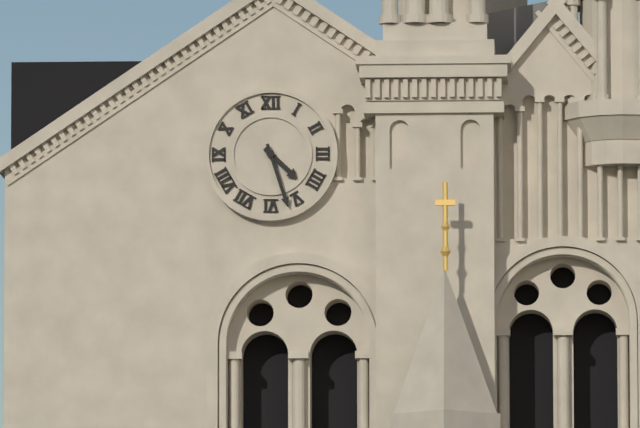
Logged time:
4h27
